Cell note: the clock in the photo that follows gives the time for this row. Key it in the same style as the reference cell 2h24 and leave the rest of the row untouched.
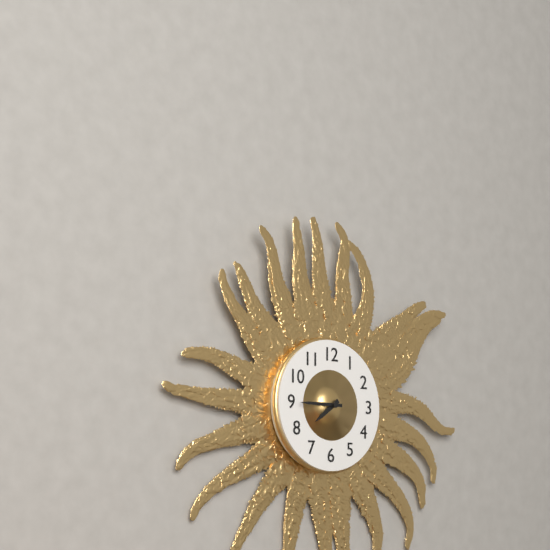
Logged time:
7h45
